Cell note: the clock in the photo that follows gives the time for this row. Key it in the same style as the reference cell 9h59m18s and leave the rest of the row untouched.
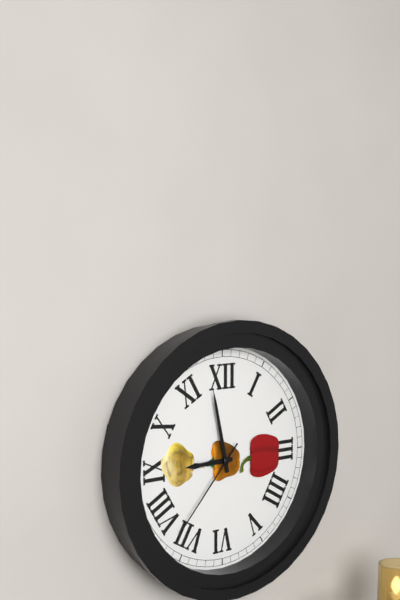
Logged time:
8h58m37s
